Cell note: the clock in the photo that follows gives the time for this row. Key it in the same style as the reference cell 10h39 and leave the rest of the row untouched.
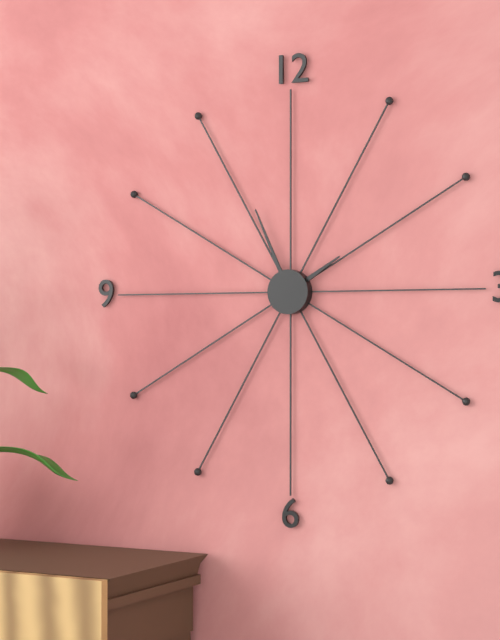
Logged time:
1h56
